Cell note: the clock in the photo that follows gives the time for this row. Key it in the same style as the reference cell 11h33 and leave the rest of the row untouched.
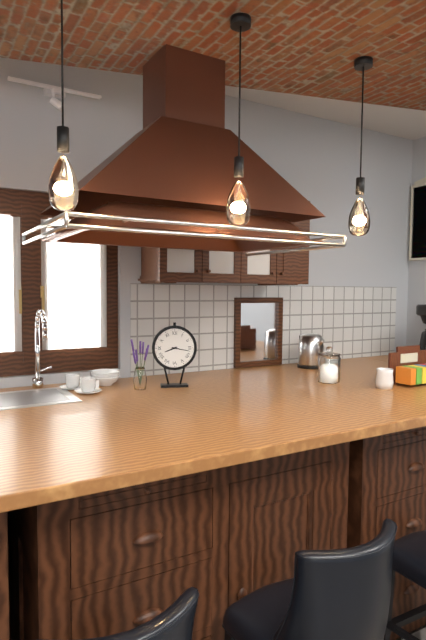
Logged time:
8h17
